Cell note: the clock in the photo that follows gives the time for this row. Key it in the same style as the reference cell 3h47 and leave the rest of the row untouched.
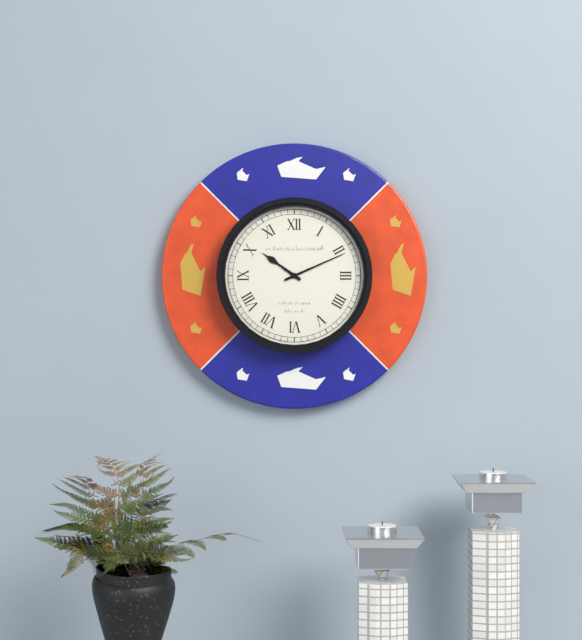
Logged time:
10h11
